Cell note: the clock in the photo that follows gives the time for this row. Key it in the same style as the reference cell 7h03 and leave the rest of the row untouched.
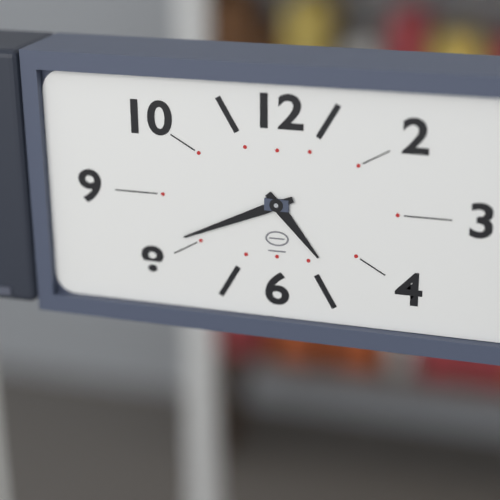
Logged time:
4h41
